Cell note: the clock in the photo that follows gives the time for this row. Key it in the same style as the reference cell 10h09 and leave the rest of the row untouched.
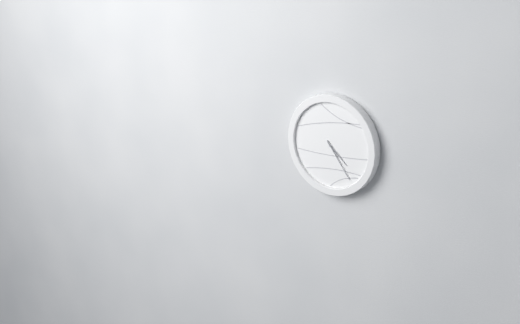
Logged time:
4h24
